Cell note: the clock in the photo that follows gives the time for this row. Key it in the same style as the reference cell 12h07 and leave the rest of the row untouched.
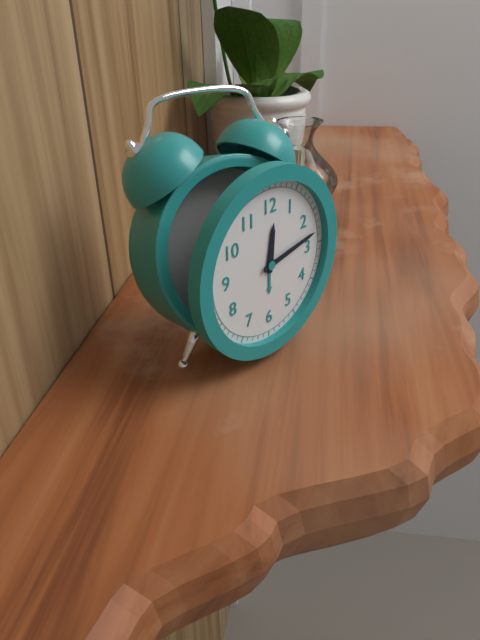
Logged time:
12h13
